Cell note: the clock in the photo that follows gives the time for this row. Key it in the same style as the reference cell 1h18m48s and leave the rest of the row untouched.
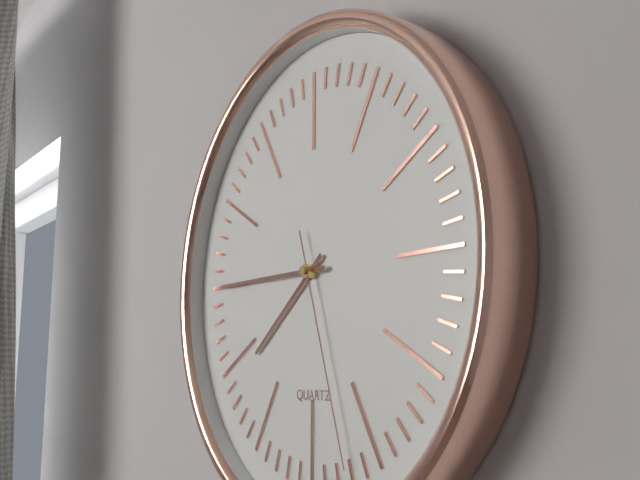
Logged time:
7h45m27s
